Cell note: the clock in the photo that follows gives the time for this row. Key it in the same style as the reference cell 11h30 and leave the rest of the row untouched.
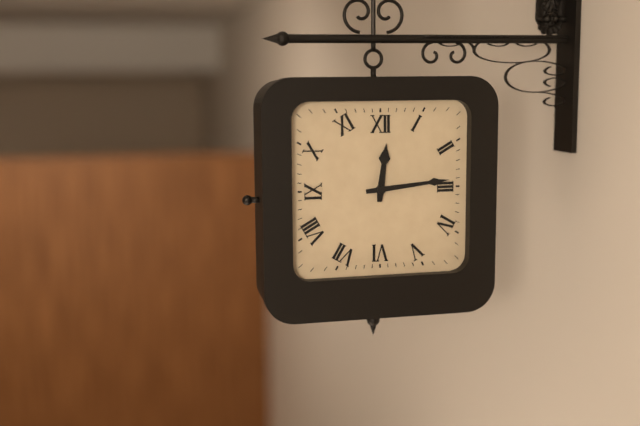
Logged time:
12h14
